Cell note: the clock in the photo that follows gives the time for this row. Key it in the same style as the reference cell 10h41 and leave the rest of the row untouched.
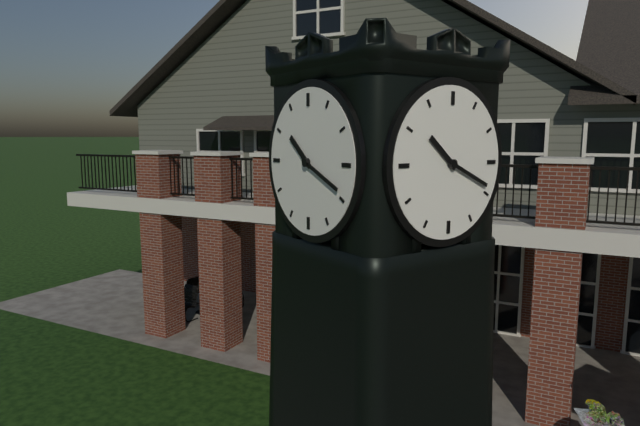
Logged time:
10h19
